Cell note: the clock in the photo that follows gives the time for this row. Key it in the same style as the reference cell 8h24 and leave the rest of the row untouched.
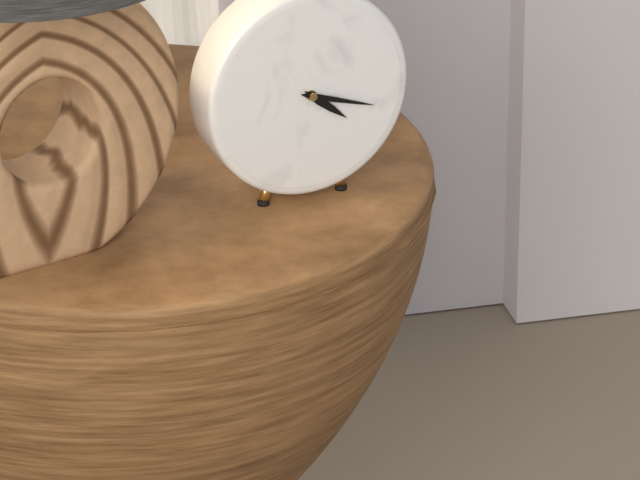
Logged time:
4h18
